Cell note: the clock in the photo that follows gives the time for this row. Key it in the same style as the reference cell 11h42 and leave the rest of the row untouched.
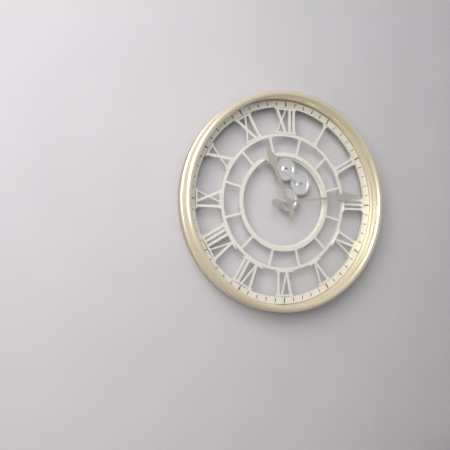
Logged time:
11h14
